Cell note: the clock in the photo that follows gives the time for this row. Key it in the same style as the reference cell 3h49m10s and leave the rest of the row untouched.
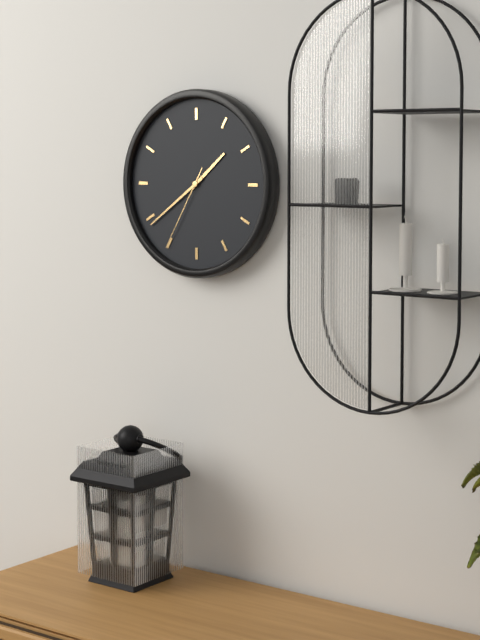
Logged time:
1h39m35s
